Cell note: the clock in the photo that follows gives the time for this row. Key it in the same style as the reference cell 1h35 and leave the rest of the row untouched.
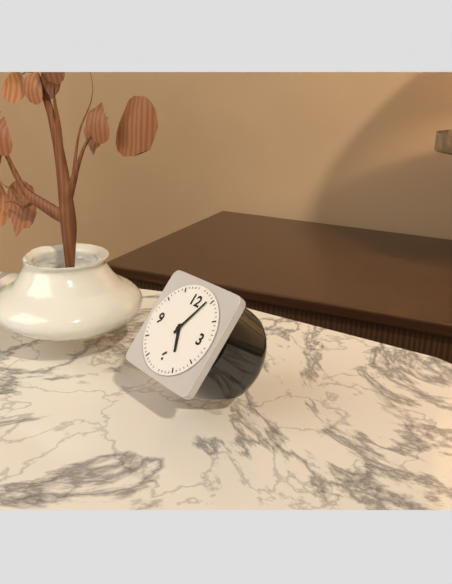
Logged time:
5h04
